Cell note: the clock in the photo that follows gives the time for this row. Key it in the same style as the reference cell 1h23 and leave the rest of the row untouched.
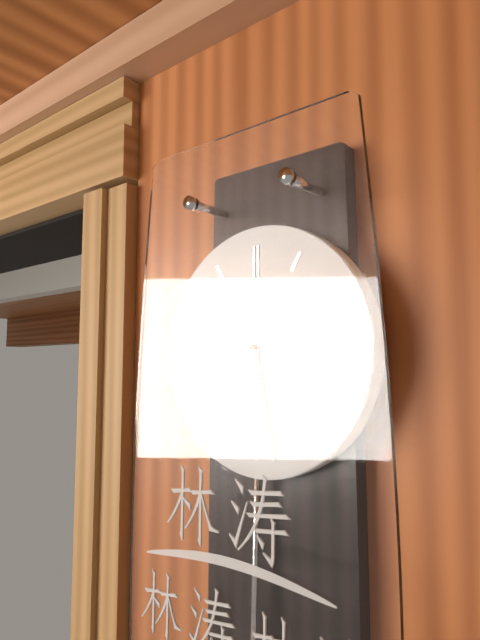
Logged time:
6h28
